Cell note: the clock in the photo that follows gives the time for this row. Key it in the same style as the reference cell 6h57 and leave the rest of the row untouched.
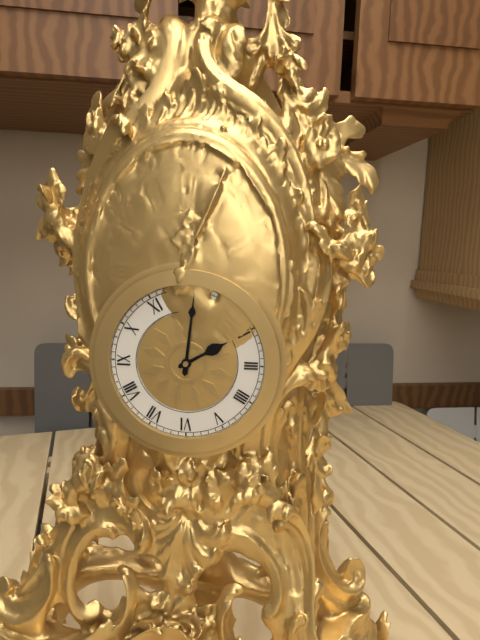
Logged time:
2h01
